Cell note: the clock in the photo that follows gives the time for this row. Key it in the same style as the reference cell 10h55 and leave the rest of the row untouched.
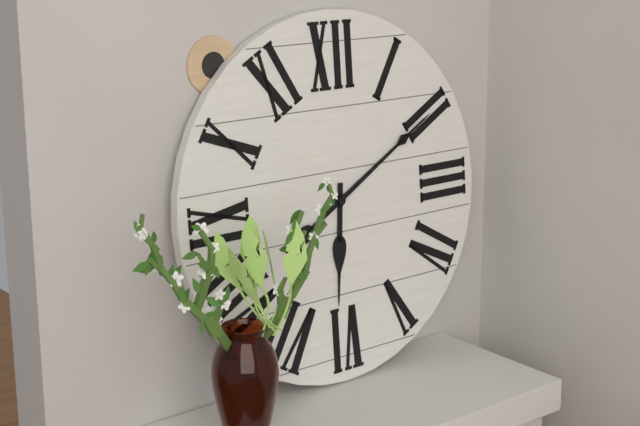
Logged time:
6h10
